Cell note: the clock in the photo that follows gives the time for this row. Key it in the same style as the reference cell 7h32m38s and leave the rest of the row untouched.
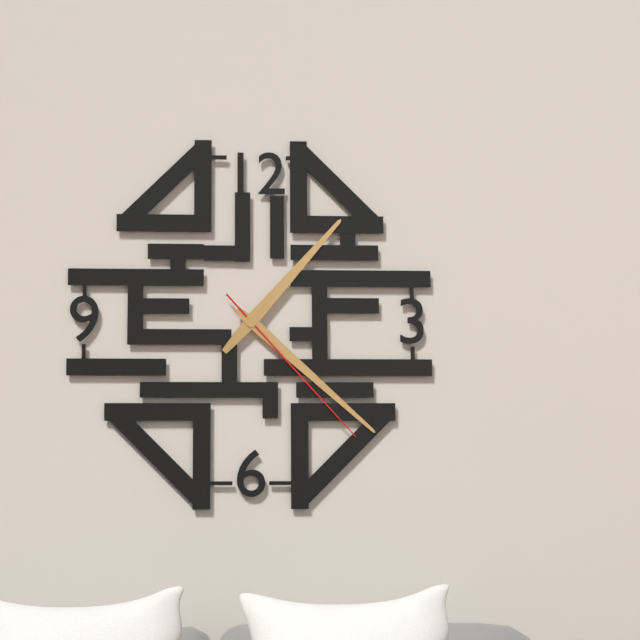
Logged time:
1h22m23s
